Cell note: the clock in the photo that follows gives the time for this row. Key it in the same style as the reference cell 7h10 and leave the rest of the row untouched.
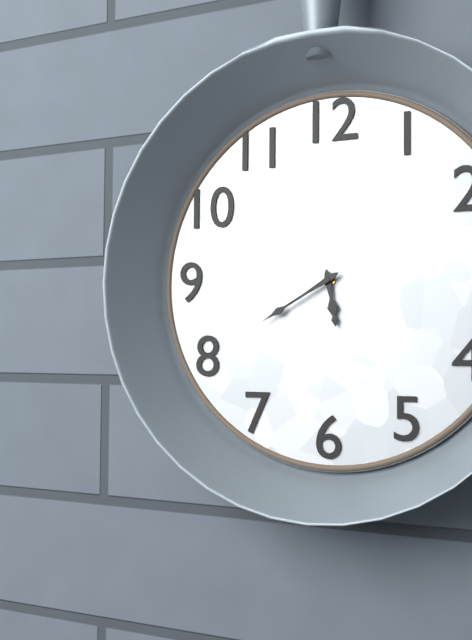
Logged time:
5h40
